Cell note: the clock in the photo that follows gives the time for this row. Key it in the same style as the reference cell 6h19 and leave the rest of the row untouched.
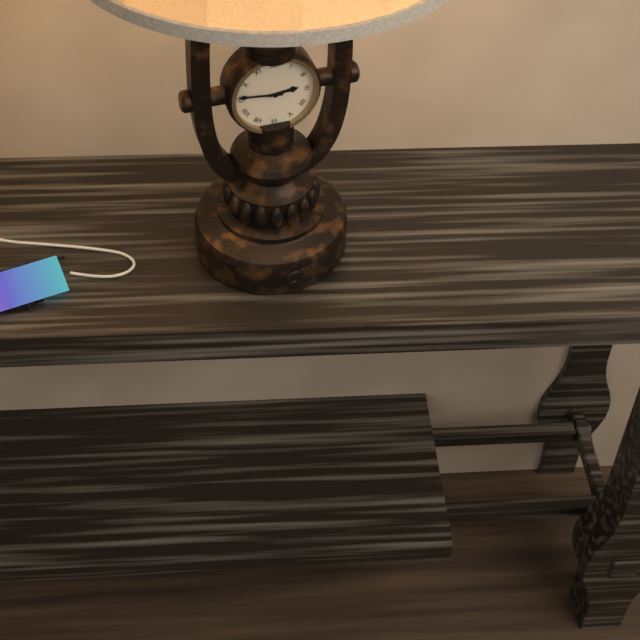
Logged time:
2h46
